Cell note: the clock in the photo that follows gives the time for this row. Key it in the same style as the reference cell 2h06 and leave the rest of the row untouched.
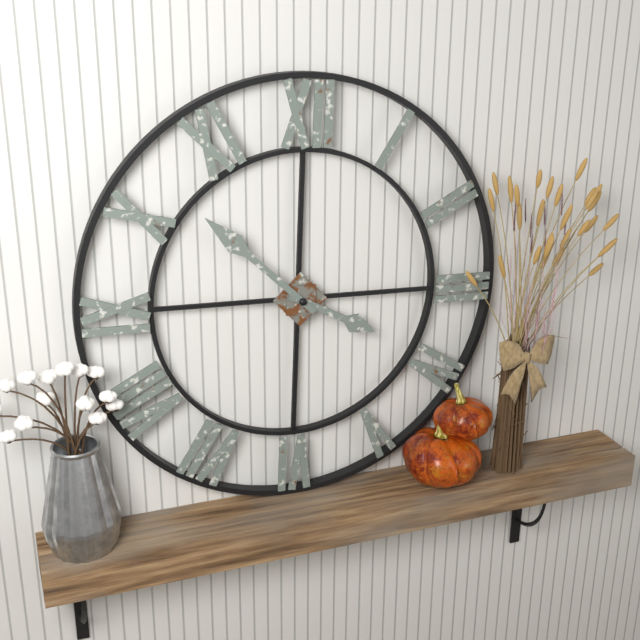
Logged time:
3h52
